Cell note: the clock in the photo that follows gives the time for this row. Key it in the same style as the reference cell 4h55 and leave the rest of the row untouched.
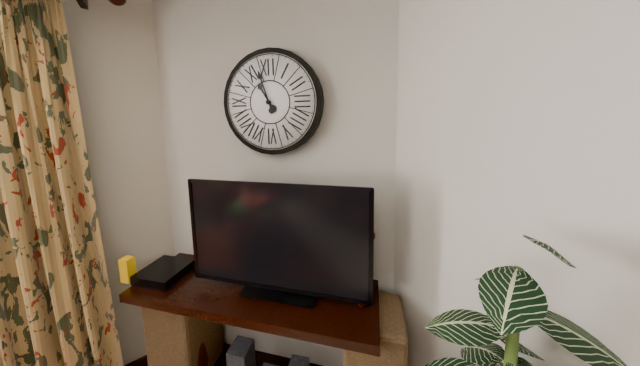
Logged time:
10h57
